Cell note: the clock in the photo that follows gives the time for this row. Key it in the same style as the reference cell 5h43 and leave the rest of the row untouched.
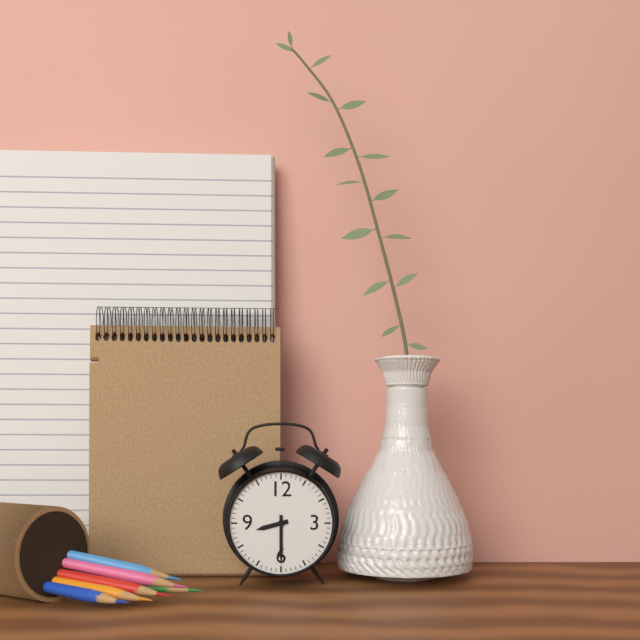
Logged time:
8h30
